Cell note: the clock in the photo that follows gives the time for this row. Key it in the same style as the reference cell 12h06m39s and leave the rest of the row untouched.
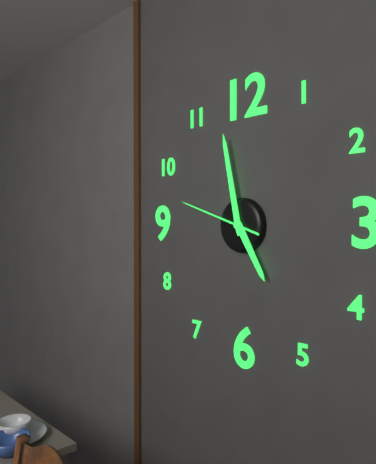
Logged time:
4h58m48s
